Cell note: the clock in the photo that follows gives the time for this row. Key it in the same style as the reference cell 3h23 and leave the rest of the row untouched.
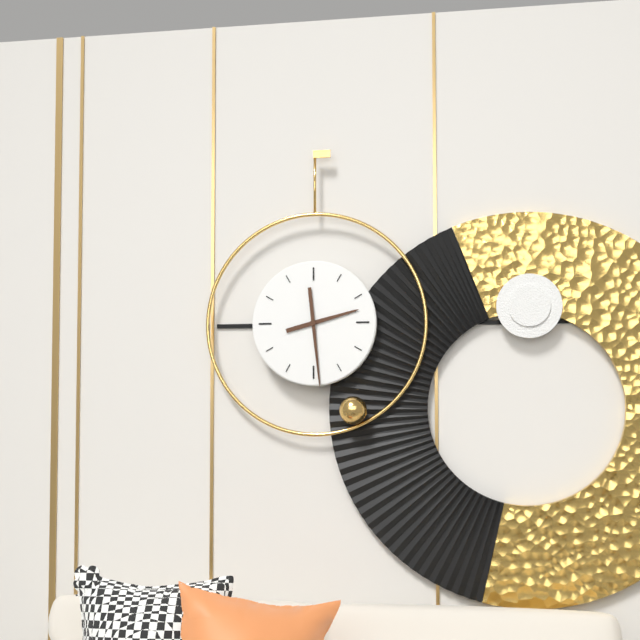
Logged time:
2h29
